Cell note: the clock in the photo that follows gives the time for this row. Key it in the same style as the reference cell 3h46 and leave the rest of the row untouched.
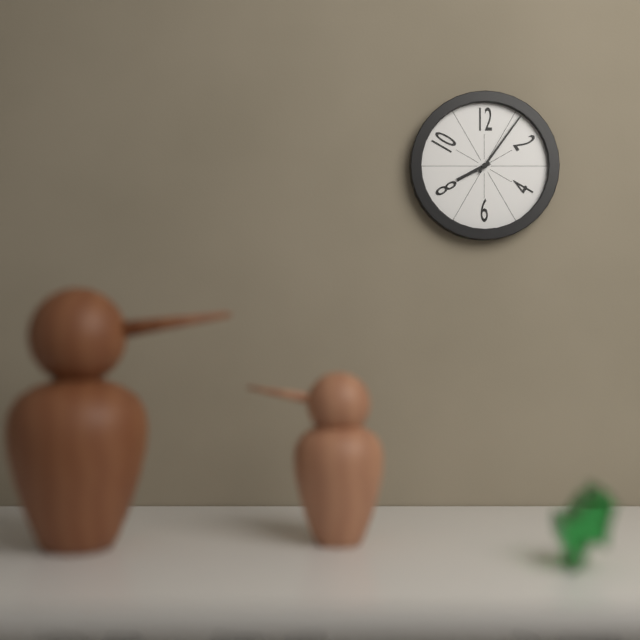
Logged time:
8h06
